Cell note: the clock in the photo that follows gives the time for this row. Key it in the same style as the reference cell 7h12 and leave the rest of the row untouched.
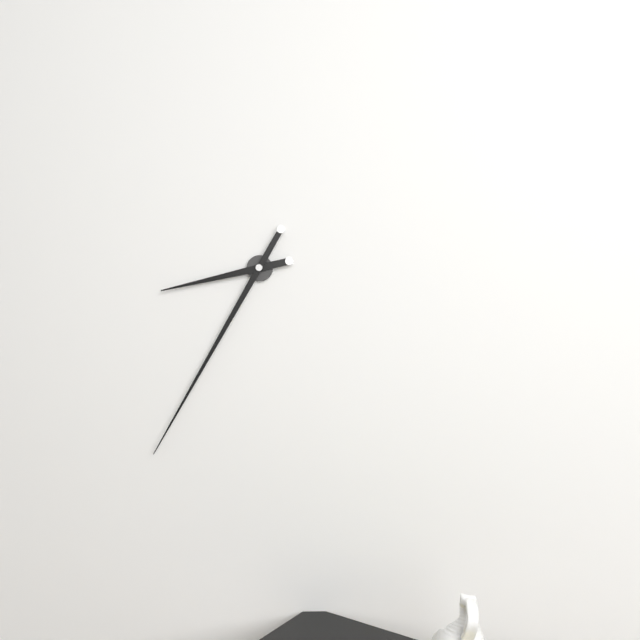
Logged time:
8h35
